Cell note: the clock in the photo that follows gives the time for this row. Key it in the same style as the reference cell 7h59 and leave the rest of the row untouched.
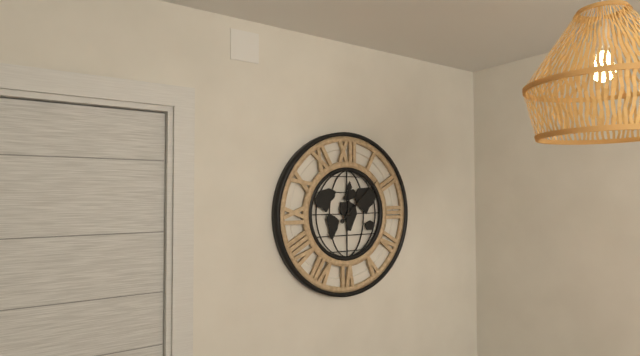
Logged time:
12h08
